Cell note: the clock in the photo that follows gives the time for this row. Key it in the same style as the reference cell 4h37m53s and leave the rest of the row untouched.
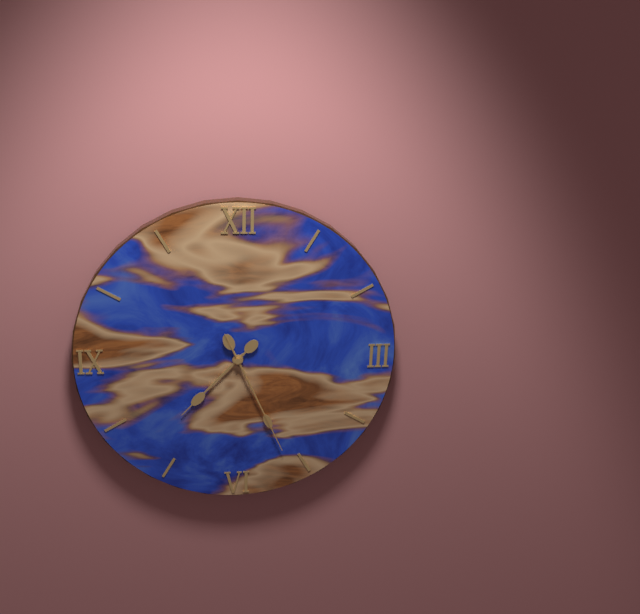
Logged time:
7h26m26s
